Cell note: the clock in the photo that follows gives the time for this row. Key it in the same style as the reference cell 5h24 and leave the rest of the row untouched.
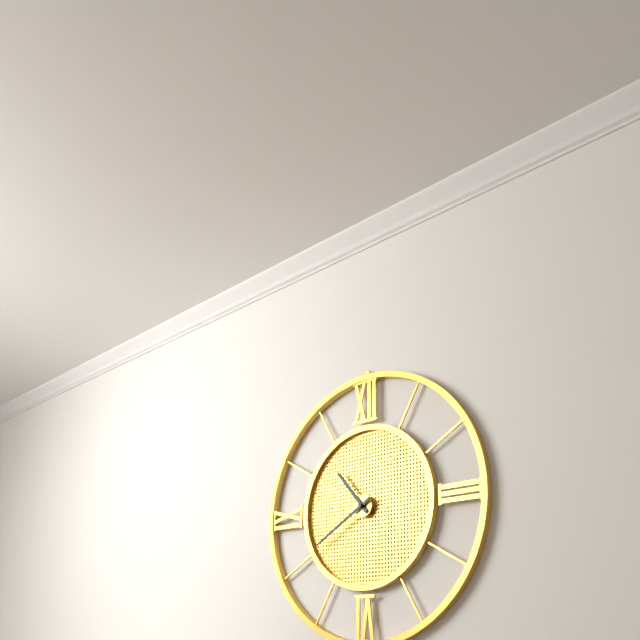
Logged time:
10h40
